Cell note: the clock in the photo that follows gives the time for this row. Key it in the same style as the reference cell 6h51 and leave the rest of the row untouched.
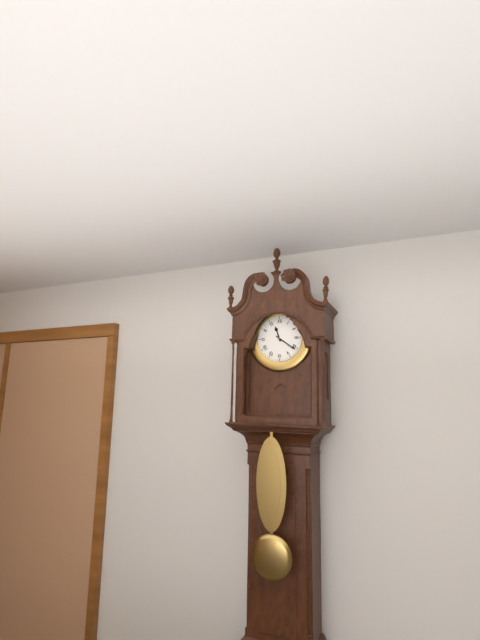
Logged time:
11h21
